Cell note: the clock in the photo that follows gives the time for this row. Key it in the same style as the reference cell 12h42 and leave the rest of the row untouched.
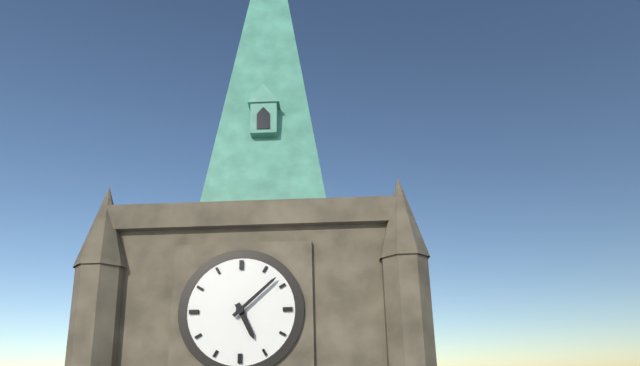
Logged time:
5h08
